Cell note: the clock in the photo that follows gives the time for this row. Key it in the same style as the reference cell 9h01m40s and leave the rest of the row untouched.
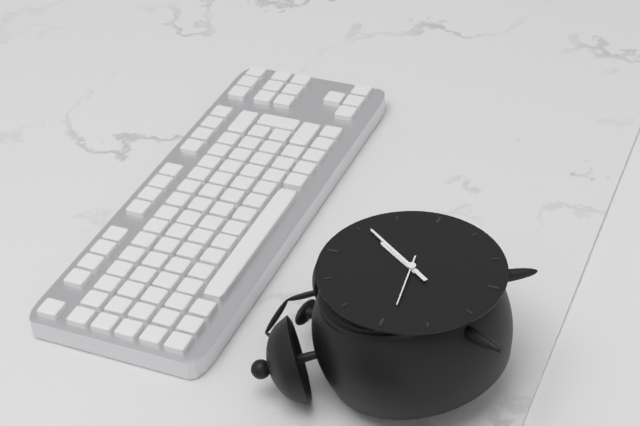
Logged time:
1h06m44s
